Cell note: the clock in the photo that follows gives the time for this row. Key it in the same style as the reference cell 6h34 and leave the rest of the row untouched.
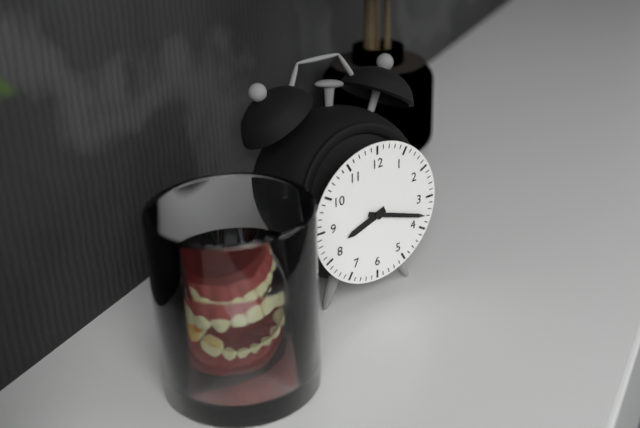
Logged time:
8h18
